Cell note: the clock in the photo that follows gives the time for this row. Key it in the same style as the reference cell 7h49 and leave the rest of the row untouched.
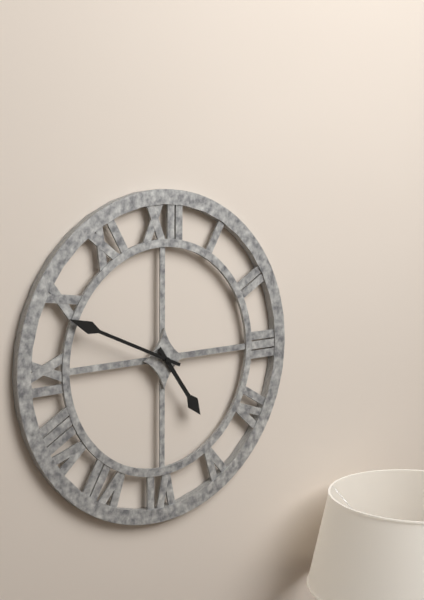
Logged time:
4h49
